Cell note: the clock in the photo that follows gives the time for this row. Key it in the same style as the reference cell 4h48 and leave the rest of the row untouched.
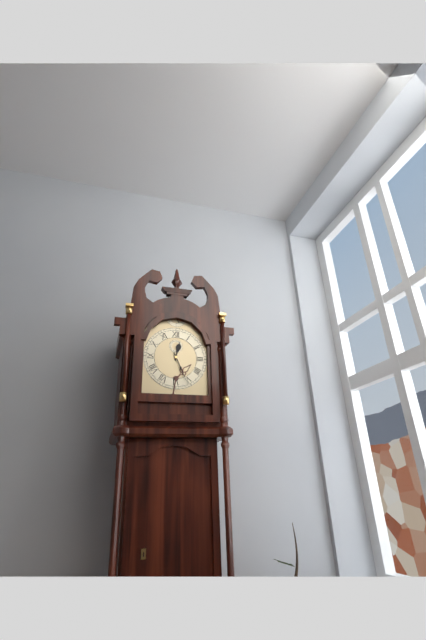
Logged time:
12h26
